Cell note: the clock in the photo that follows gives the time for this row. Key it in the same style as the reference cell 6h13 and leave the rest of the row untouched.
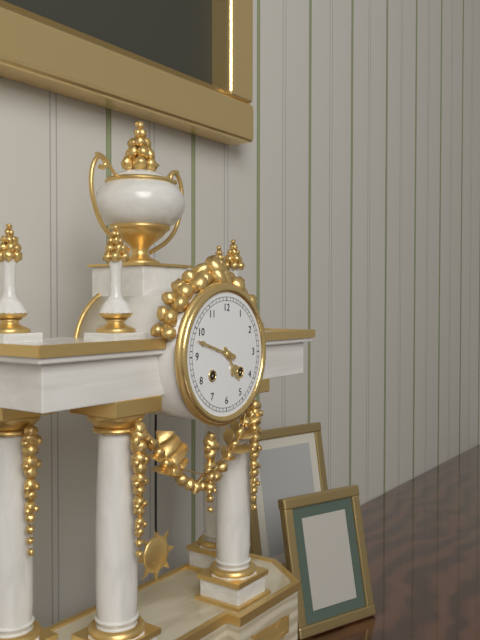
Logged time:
4h48
